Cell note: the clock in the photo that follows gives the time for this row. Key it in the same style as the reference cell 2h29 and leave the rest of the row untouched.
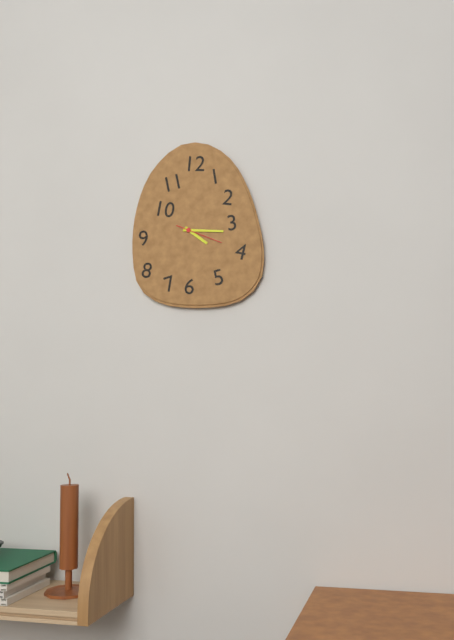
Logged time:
4h16
